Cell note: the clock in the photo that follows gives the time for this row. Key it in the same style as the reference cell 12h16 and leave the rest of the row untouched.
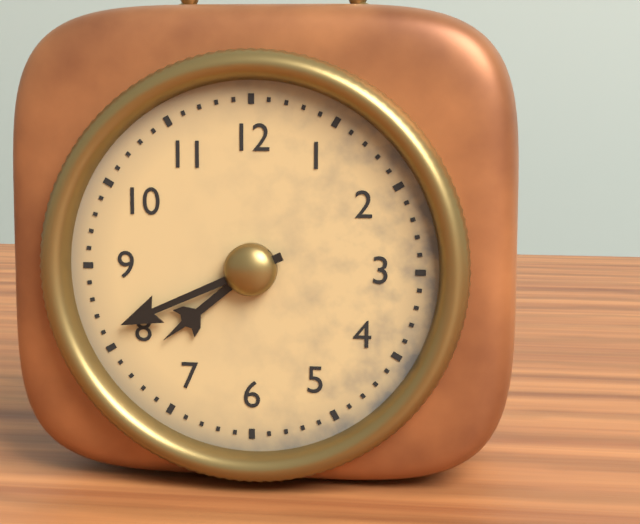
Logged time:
7h41
